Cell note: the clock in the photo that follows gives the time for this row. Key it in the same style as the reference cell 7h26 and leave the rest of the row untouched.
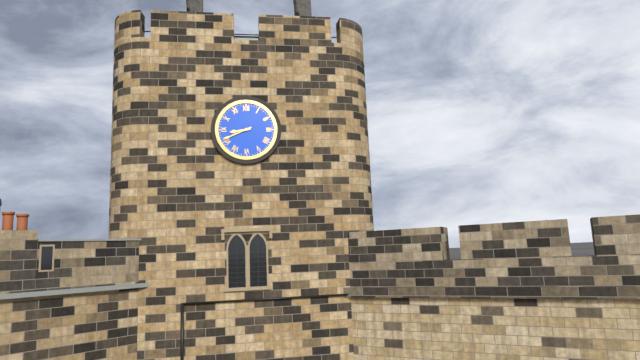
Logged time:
8h41
